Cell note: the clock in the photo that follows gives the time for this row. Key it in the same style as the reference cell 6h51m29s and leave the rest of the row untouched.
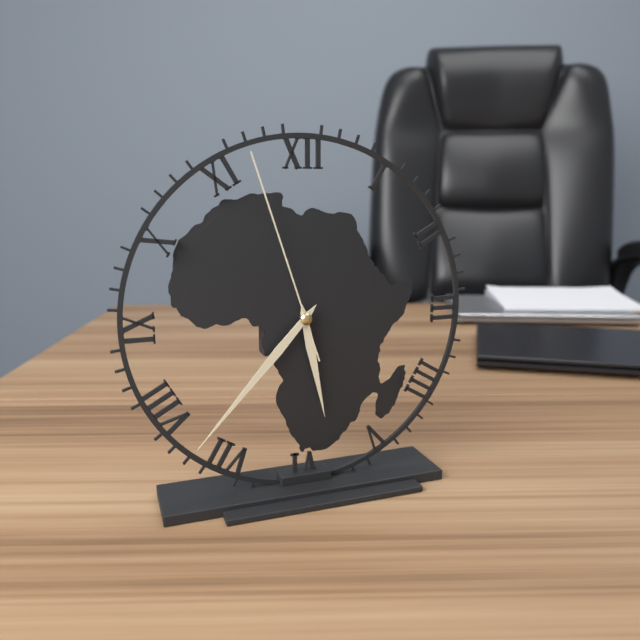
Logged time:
5h37m57s
